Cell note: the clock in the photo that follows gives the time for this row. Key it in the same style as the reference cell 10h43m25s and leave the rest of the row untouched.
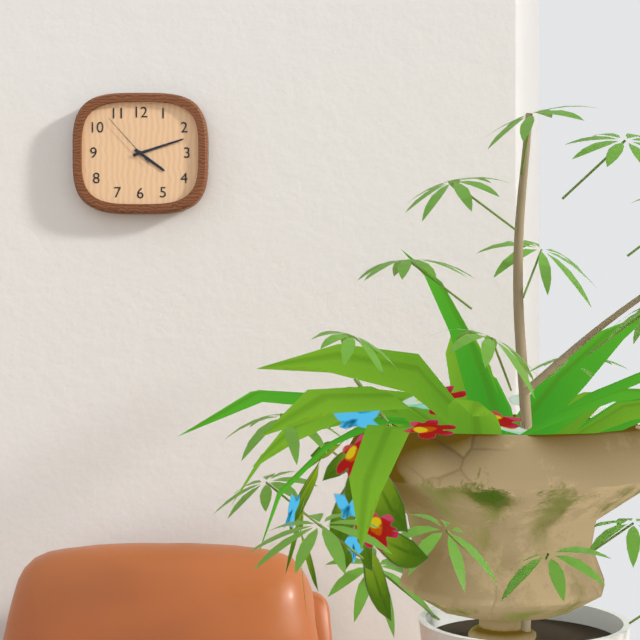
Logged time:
4h12m53s
